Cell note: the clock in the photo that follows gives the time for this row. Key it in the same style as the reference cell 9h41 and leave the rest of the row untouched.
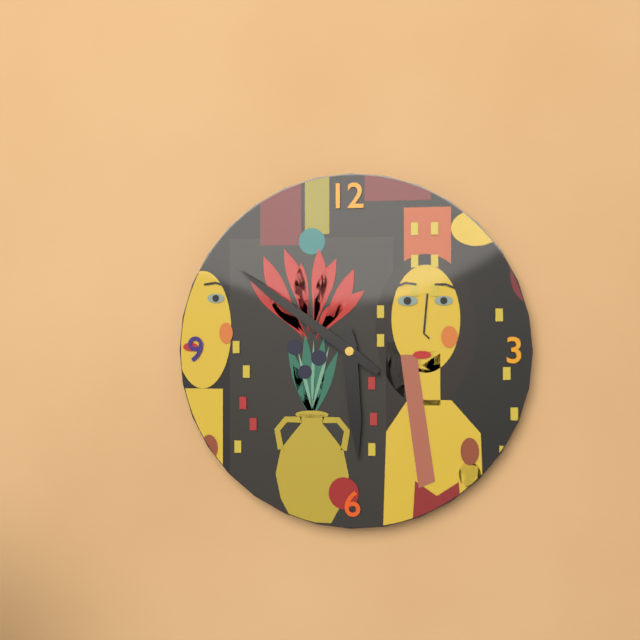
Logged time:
5h51
